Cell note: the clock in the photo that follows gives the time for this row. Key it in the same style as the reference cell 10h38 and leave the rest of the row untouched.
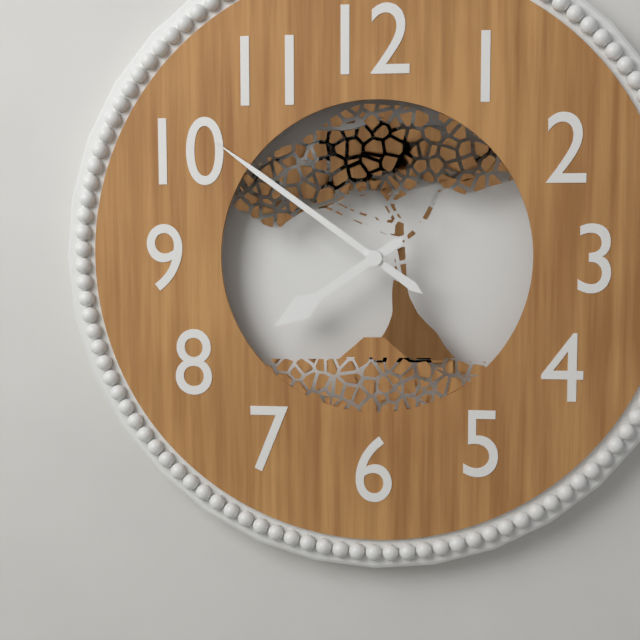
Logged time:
7h51
